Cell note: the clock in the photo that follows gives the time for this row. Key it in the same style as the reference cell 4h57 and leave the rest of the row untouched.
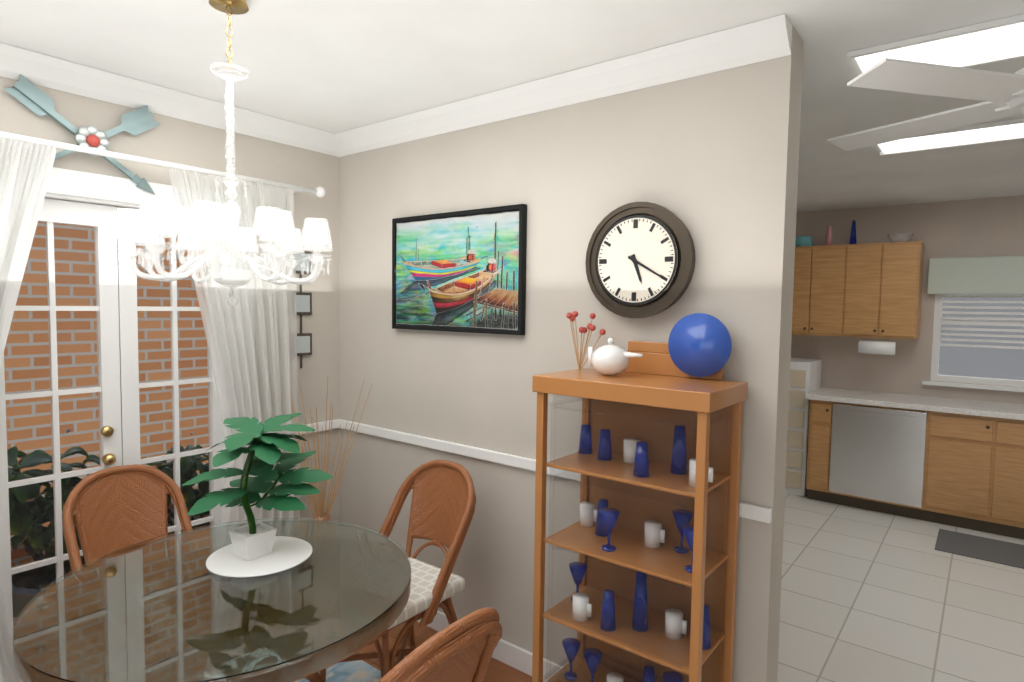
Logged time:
5h20
